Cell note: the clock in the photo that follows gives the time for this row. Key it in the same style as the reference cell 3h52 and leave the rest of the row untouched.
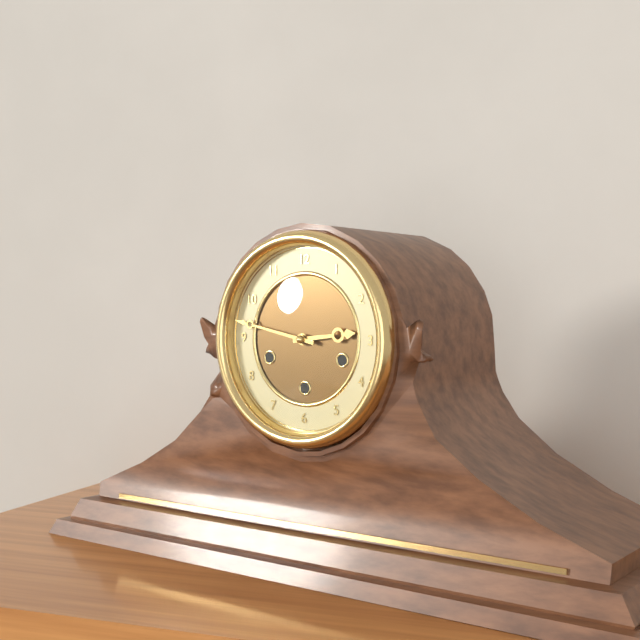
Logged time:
2h47
